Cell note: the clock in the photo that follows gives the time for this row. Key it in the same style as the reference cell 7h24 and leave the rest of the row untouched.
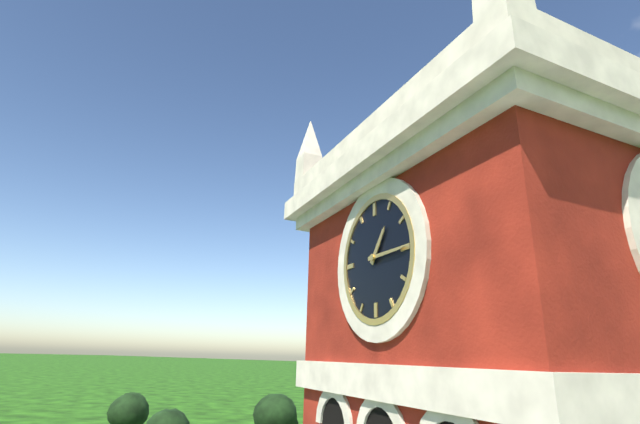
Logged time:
1h15
